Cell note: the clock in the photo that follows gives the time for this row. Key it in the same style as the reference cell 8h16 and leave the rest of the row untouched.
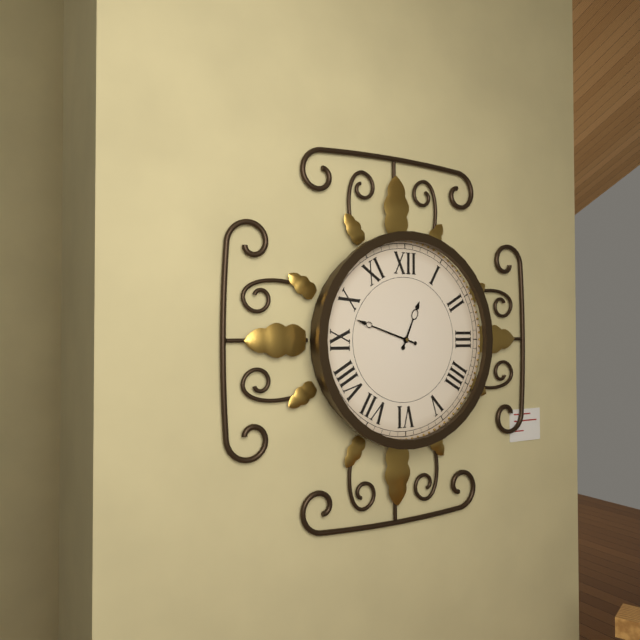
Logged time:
12h48
